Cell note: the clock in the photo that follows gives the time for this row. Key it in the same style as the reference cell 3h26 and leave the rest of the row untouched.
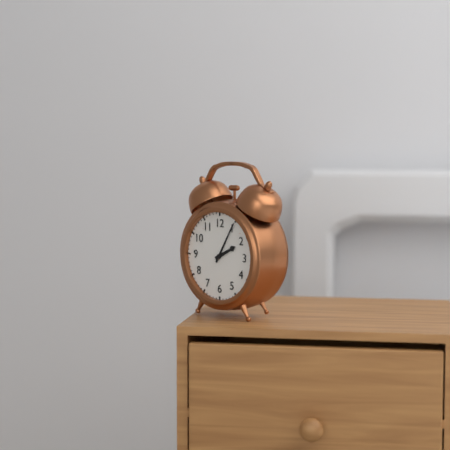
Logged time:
2h05
